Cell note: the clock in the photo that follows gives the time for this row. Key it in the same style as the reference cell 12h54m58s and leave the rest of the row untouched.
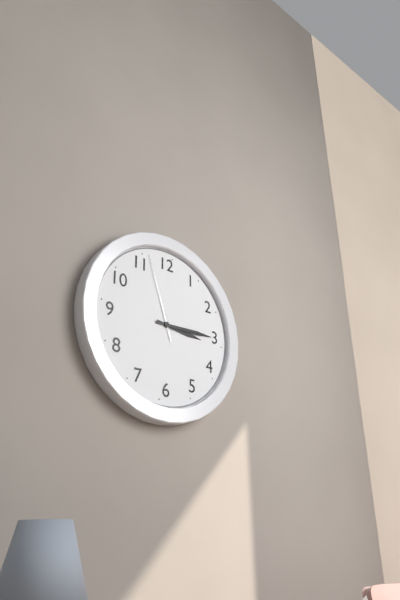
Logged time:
3h15m57s
